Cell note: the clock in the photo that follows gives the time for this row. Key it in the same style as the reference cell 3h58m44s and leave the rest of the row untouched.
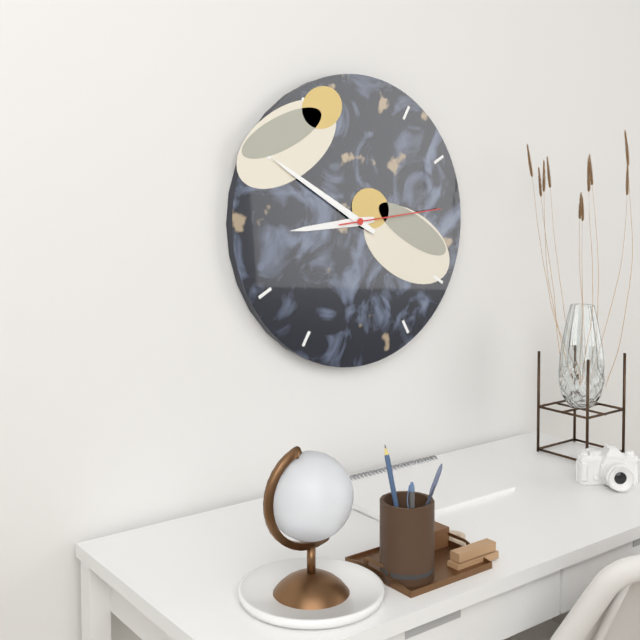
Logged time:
8h50m14s
